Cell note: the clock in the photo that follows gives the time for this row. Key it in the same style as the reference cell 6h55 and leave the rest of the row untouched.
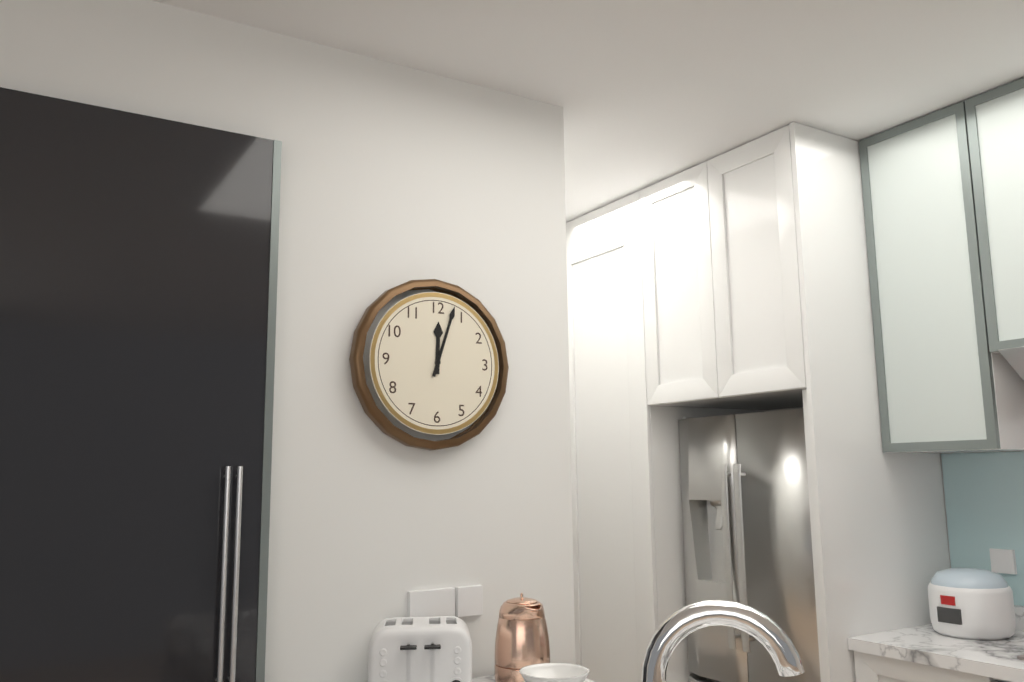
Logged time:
12h03
